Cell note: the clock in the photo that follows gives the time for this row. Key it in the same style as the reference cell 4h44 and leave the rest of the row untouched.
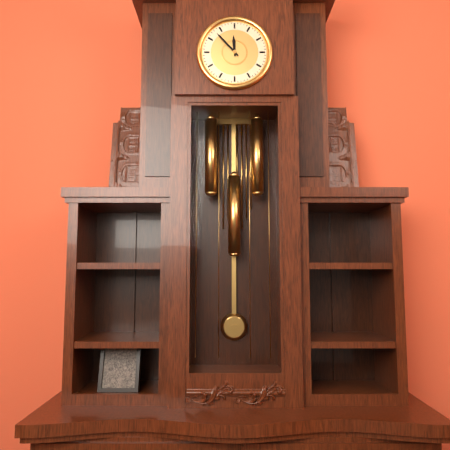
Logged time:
11h53
